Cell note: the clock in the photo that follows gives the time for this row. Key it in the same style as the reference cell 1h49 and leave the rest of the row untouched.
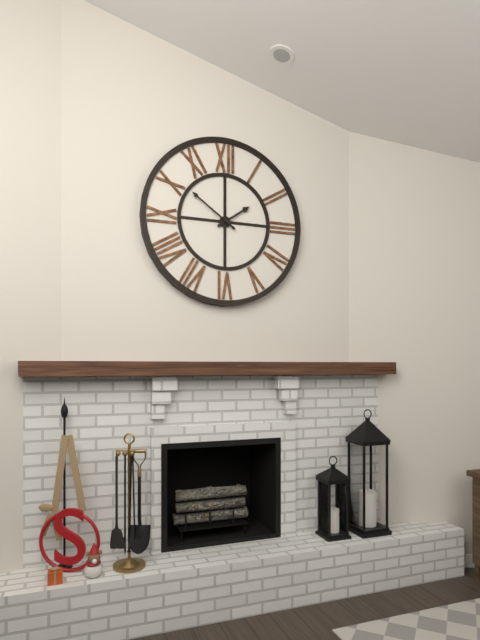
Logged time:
1h51
